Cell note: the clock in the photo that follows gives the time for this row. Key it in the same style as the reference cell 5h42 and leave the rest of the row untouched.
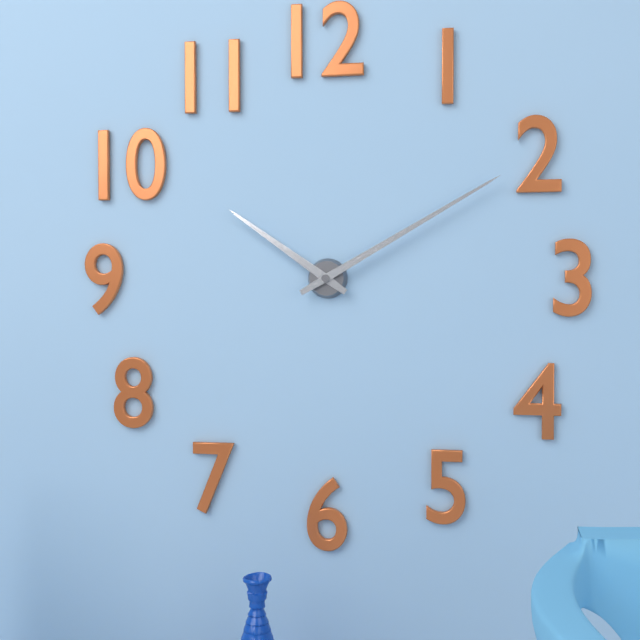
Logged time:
10h10
